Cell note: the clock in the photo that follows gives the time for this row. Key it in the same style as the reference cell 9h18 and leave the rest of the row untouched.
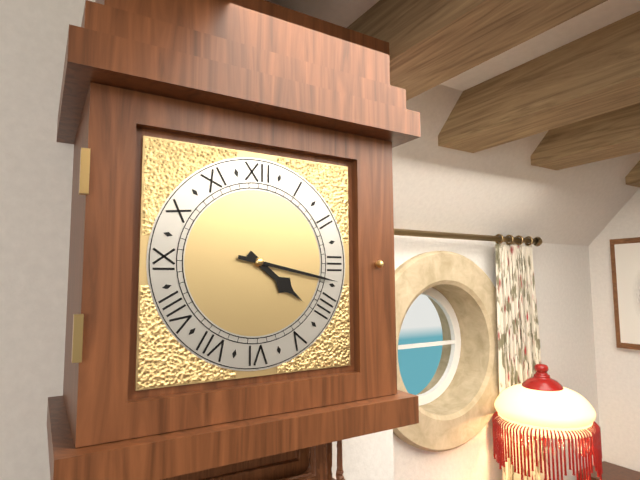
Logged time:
4h17
